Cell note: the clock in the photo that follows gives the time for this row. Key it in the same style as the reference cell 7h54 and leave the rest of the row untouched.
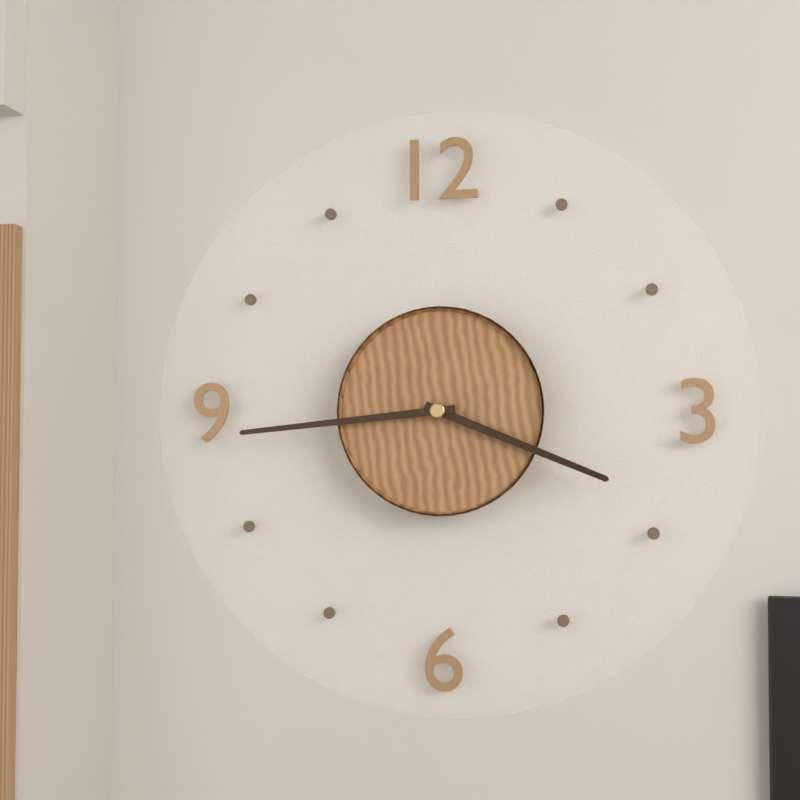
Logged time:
3h44
